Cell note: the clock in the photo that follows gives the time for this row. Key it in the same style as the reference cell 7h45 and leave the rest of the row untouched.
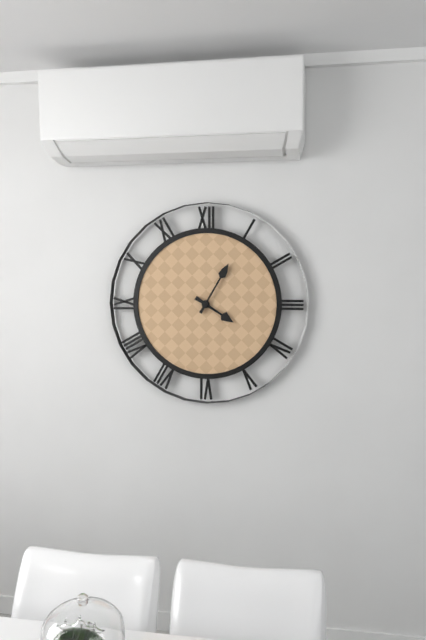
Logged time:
4h05
